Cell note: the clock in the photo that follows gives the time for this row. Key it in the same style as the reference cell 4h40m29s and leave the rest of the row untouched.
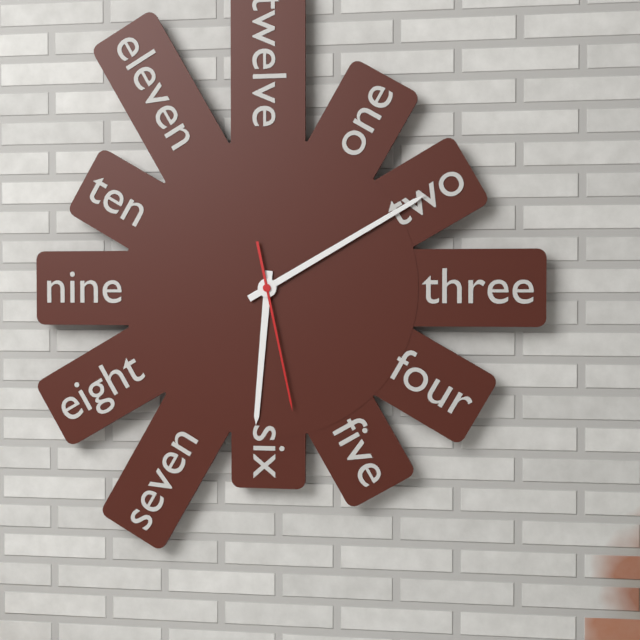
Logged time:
6h10m28s
